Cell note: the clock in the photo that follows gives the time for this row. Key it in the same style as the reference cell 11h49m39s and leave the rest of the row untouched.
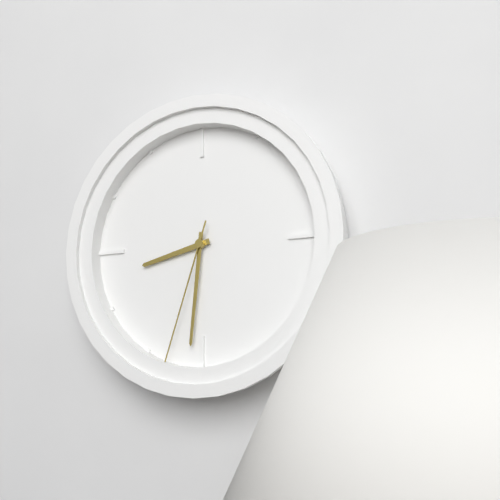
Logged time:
8h31m33s
